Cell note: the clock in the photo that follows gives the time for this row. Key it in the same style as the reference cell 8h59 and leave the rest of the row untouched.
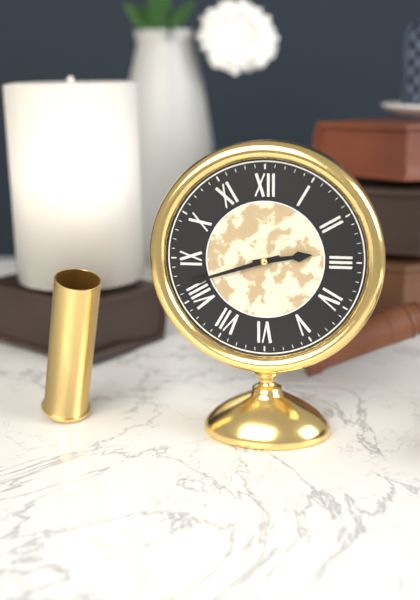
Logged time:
2h42
